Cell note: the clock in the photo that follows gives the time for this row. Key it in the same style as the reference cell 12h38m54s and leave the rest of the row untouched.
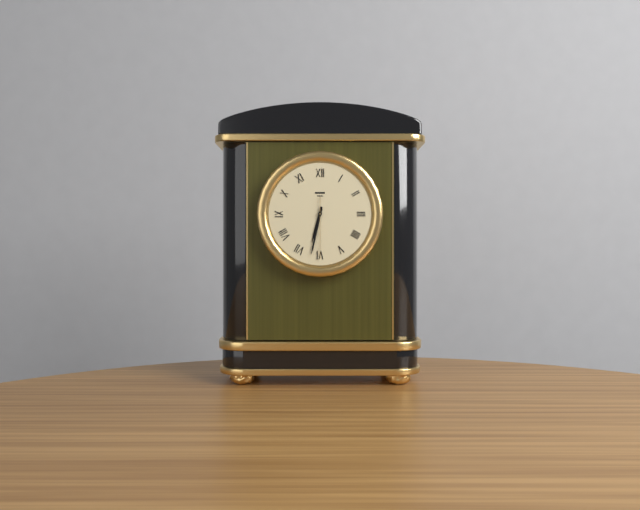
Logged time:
6h32m30s
